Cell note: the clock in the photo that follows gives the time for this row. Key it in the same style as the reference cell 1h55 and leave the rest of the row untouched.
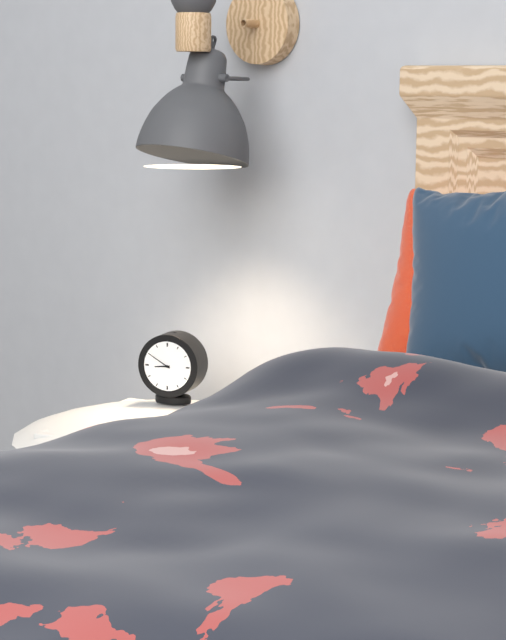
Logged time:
8h50
